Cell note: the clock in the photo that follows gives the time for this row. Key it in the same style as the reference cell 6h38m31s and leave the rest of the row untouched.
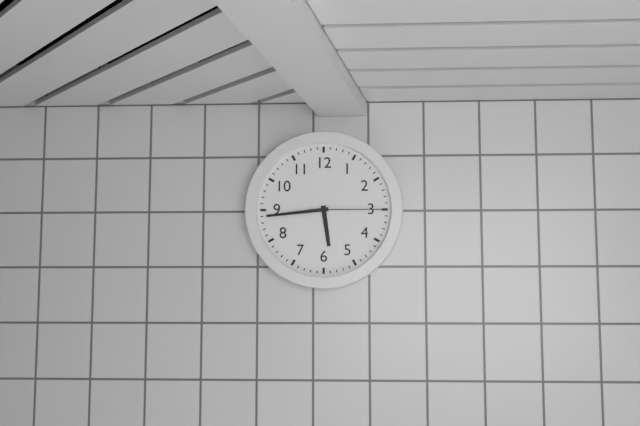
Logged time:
5h44m15s
